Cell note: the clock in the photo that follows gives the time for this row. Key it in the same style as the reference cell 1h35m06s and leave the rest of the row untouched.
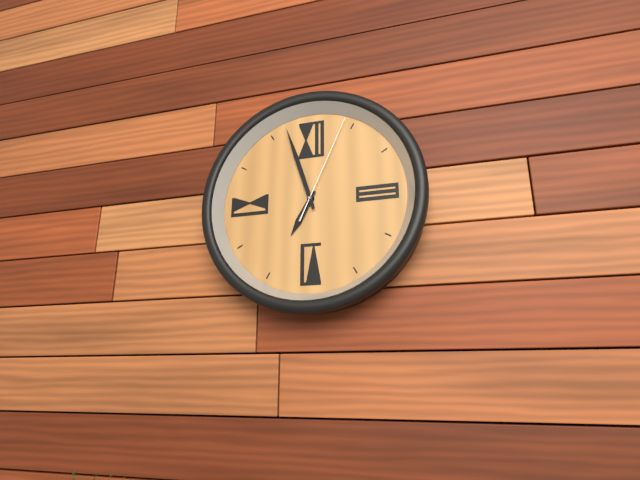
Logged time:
6h57m04s
